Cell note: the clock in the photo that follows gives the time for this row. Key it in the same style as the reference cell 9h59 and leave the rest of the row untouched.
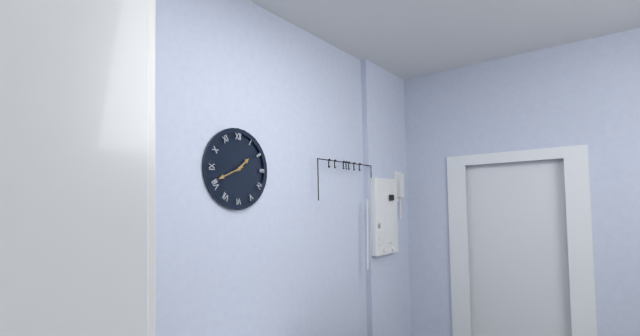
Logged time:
1h41
